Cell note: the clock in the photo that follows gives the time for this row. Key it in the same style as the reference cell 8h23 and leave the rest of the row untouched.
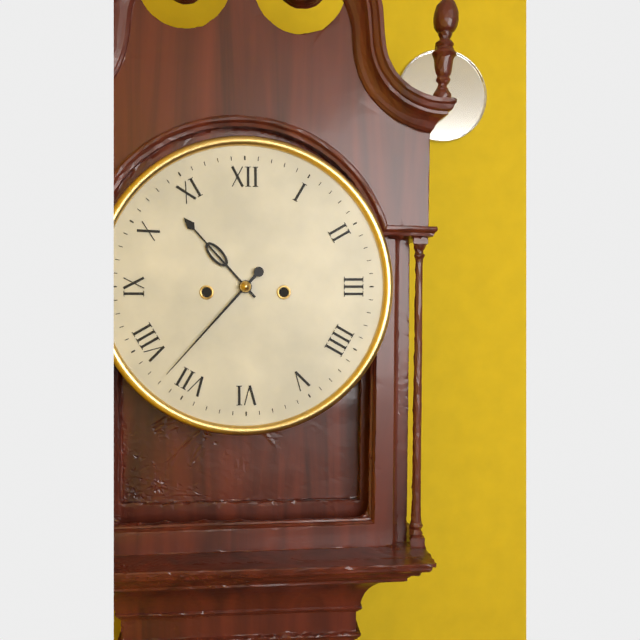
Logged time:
10h37
